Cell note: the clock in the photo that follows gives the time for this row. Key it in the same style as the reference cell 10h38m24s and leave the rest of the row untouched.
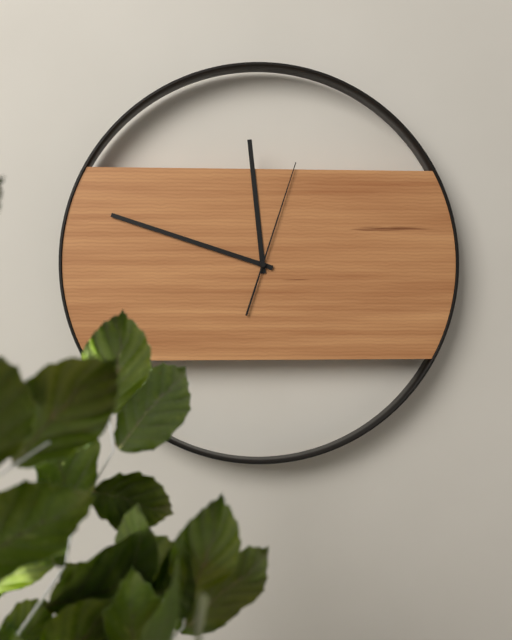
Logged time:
11h48m03s
